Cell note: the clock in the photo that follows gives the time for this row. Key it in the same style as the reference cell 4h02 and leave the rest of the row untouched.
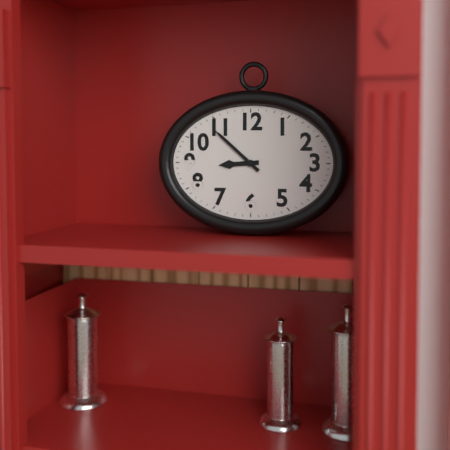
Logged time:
8h52
